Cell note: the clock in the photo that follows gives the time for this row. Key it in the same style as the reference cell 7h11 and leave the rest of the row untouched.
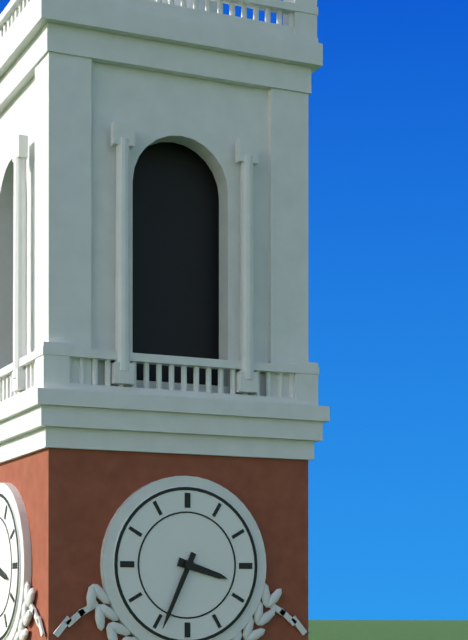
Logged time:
3h34
